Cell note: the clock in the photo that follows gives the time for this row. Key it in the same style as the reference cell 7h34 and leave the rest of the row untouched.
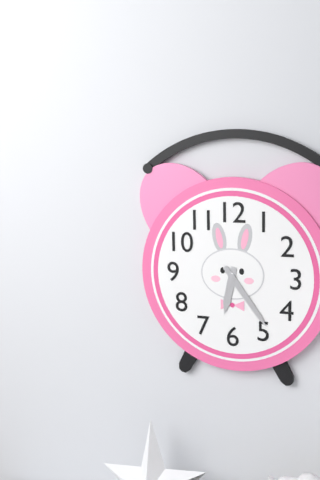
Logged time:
6h24
